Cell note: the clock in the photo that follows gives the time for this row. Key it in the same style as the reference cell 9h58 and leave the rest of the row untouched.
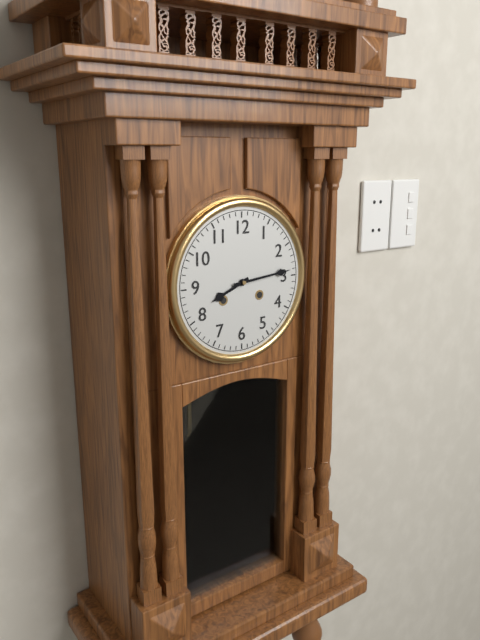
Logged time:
8h14
